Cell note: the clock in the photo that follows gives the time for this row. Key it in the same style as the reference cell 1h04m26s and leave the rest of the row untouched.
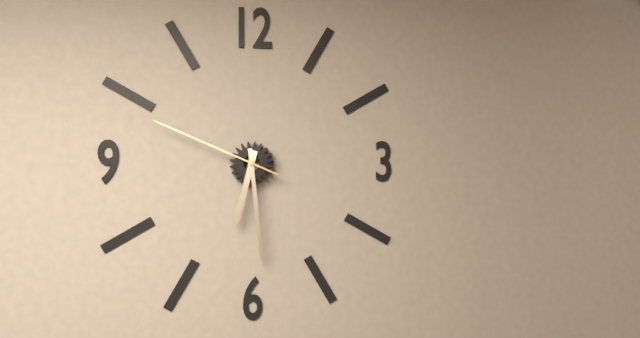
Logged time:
6h29m49s
